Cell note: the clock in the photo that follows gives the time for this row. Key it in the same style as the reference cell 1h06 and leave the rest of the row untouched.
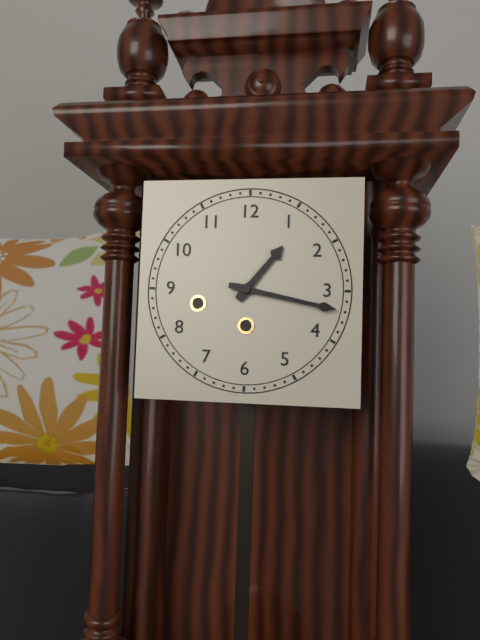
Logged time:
1h17
